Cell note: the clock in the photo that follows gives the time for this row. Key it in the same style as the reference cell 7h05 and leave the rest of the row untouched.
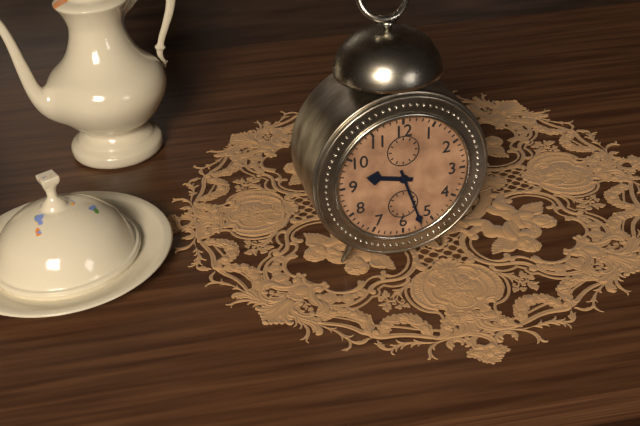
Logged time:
9h27
